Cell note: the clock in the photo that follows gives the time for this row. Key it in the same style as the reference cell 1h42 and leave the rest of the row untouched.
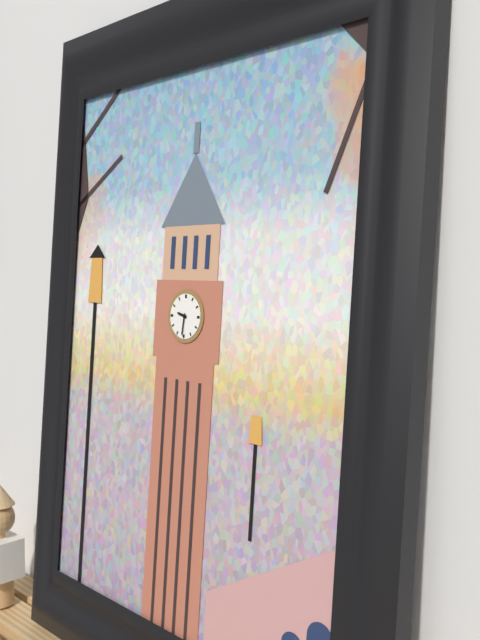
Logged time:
9h31
